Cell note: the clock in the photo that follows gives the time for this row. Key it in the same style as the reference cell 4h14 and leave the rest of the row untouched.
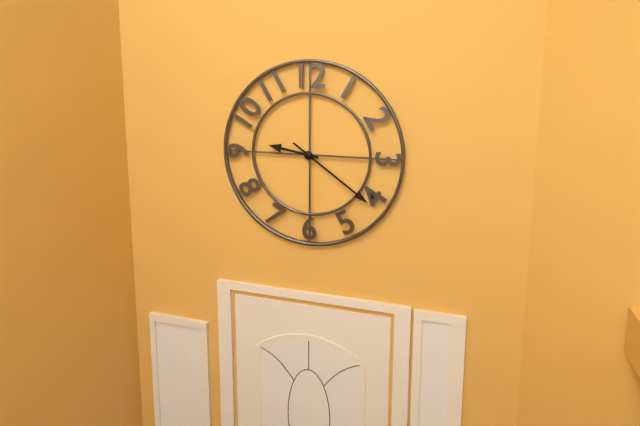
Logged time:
9h21
